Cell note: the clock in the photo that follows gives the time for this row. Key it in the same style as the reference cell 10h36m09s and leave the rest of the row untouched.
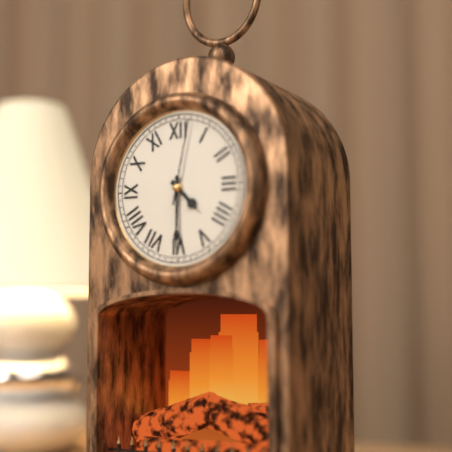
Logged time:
4h30m02s
